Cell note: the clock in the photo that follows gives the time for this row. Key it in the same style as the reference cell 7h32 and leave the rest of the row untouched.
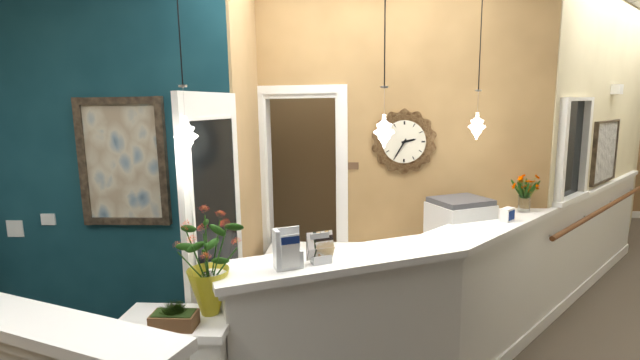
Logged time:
2h35
